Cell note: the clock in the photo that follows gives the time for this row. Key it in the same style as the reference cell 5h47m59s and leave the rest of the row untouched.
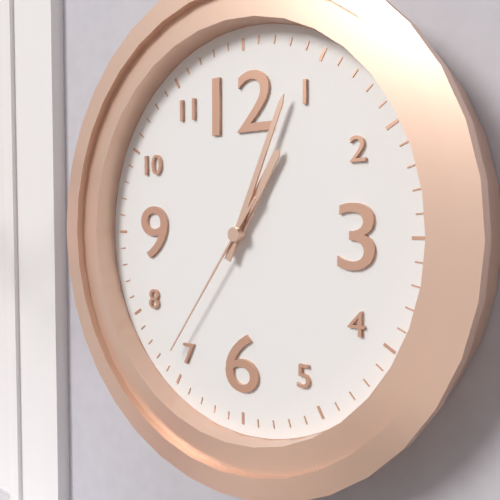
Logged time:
1h04m36s
